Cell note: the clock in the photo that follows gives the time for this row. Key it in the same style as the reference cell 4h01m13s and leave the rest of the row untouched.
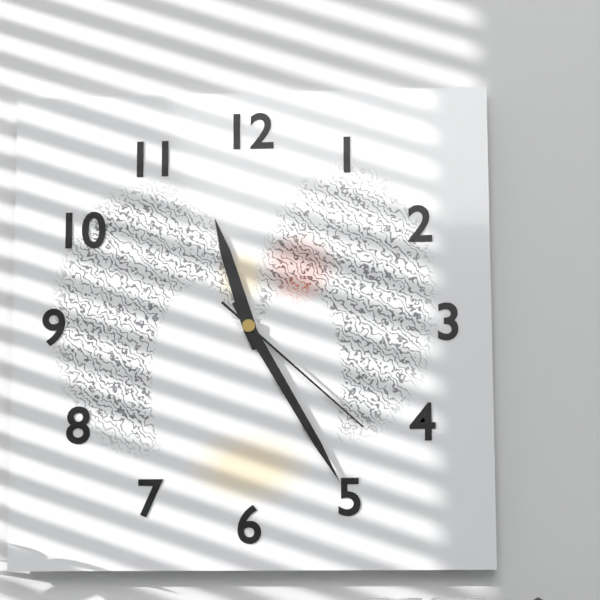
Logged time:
11h25m22s
